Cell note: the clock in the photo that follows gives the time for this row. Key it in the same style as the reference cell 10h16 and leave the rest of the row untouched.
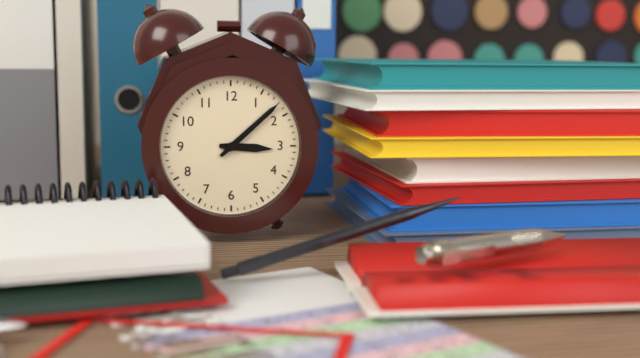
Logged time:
3h08
